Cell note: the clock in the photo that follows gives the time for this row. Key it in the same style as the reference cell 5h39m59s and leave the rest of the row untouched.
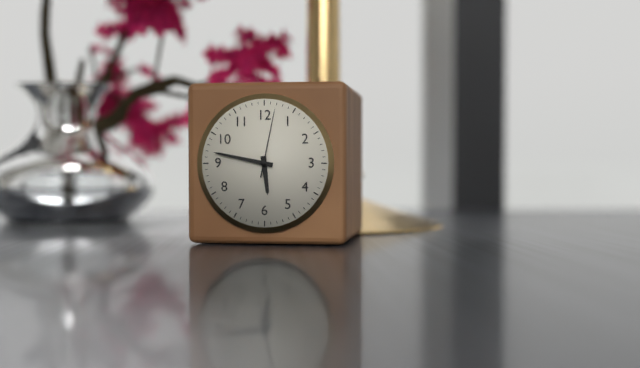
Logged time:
5h47m02s
